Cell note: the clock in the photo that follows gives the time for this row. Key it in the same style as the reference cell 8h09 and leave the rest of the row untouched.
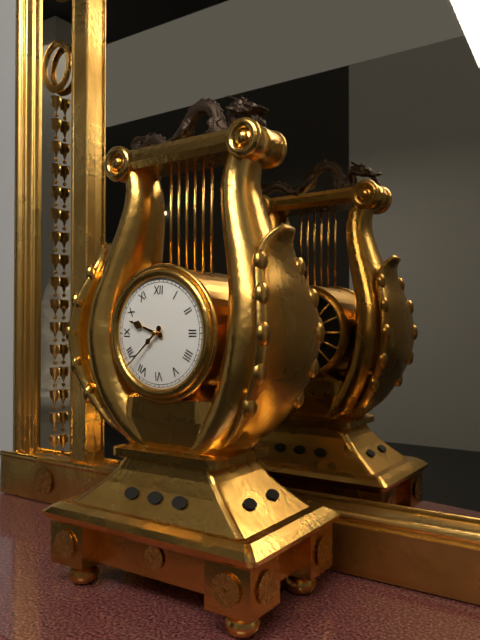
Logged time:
9h38
